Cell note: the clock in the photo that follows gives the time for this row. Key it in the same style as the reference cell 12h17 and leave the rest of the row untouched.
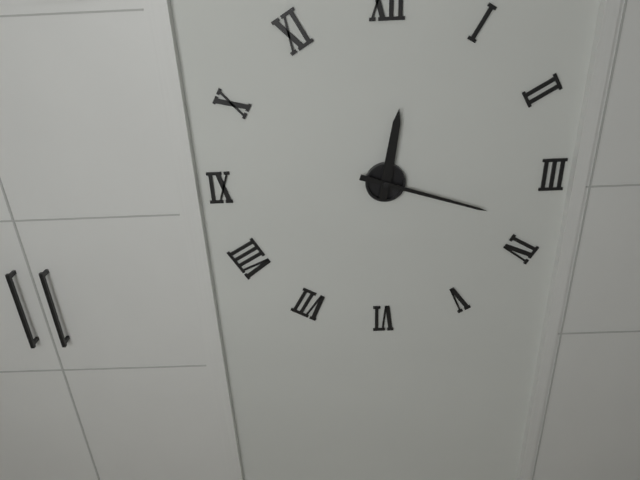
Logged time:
12h18
